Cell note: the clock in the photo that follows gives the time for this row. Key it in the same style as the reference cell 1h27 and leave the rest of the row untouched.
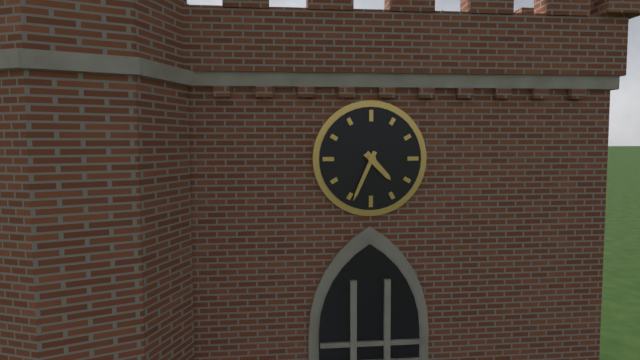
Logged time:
4h34
